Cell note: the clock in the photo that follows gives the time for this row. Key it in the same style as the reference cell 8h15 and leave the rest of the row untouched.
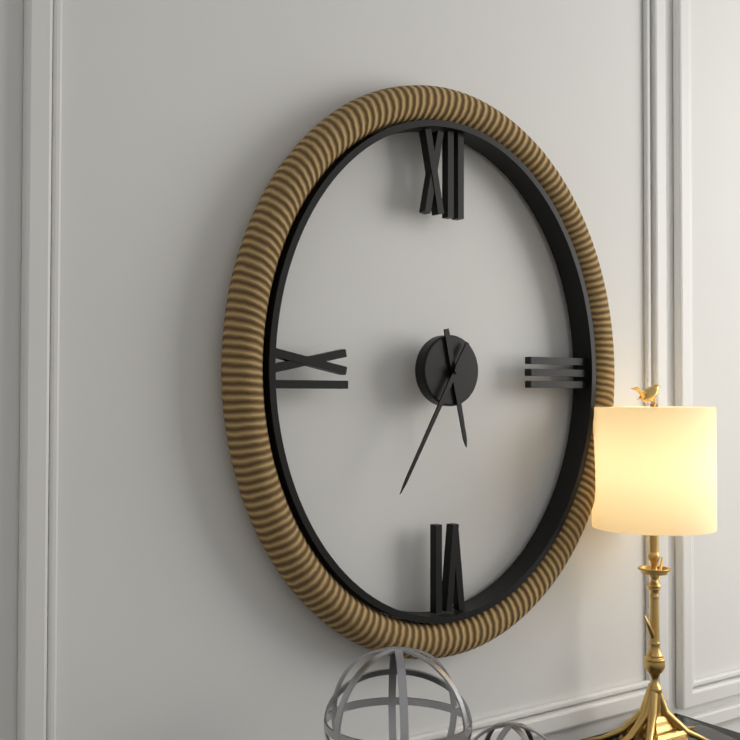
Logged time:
5h35
